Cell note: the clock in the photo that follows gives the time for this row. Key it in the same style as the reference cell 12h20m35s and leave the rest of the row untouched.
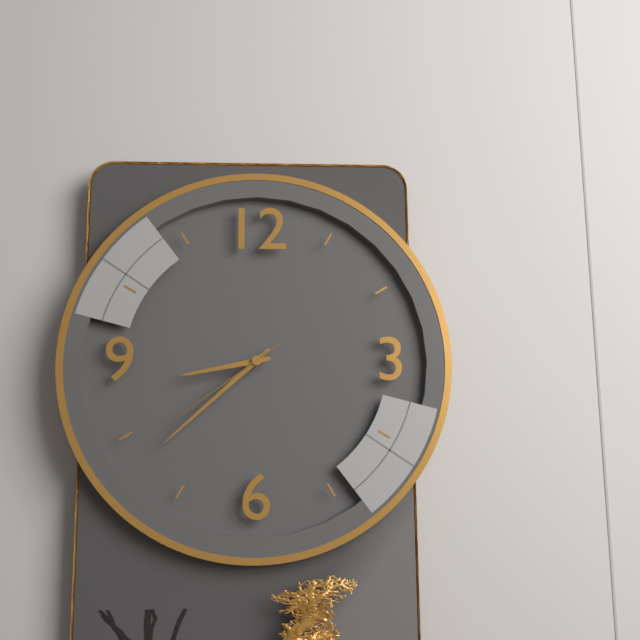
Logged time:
8h38m39s
